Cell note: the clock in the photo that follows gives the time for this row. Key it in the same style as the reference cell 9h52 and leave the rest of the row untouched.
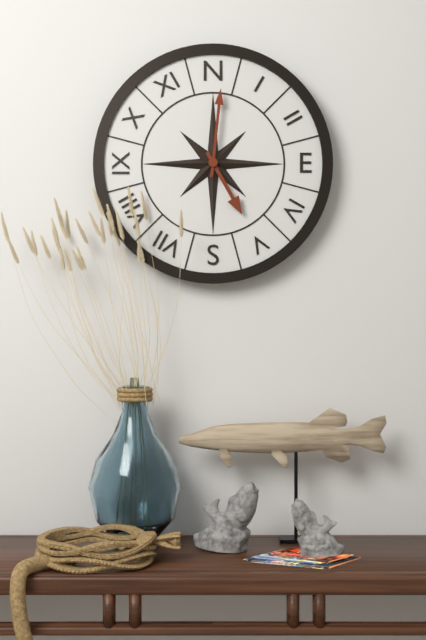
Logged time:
5h01
